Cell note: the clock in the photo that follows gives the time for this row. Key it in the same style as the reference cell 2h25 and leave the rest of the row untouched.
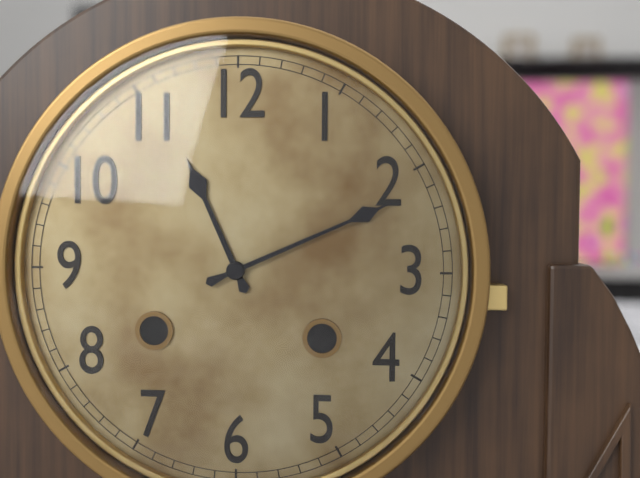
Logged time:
11h11
